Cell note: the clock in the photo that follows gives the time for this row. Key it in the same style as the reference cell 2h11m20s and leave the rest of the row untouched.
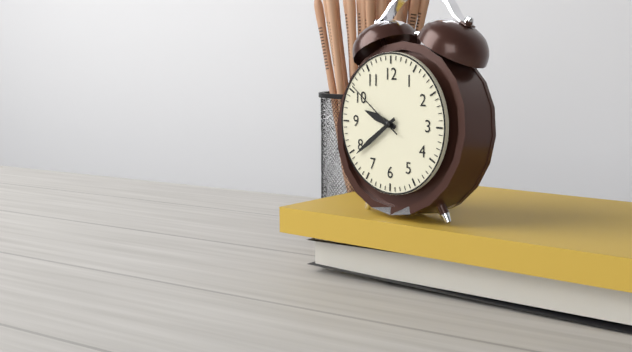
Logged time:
9h39m51s
